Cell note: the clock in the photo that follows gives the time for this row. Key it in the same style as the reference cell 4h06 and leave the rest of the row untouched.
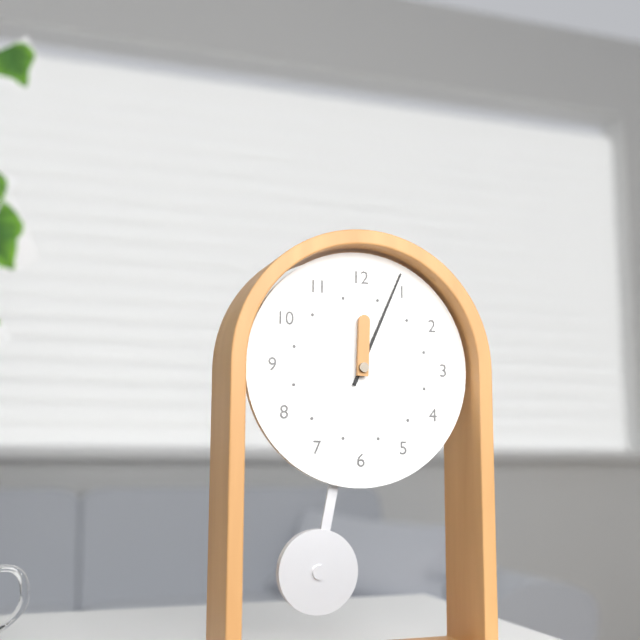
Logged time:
12h04
